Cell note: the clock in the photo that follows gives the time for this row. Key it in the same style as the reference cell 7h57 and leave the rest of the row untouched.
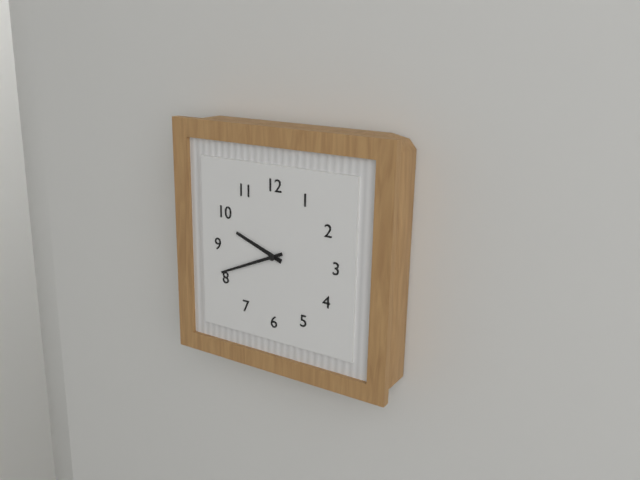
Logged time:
9h41
